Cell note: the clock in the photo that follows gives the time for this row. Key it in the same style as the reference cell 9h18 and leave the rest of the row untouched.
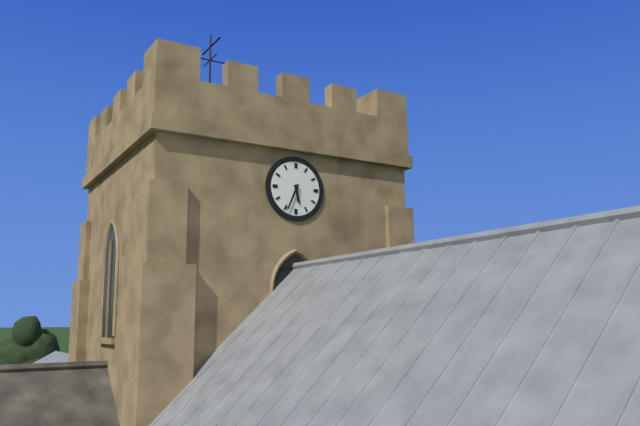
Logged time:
5h34
